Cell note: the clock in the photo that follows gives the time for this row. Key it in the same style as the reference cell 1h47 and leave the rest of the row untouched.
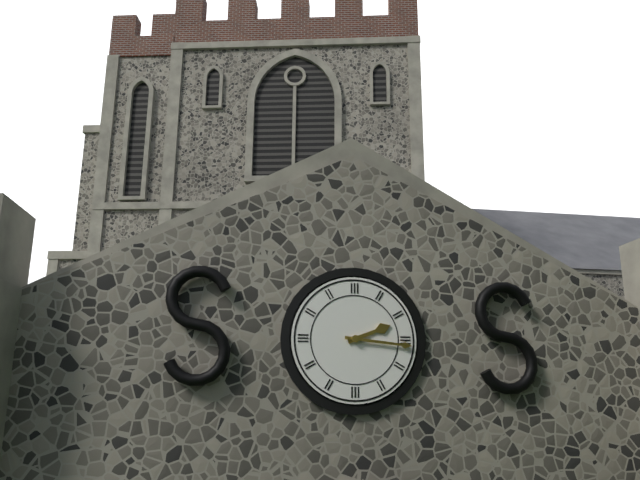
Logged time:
2h16
